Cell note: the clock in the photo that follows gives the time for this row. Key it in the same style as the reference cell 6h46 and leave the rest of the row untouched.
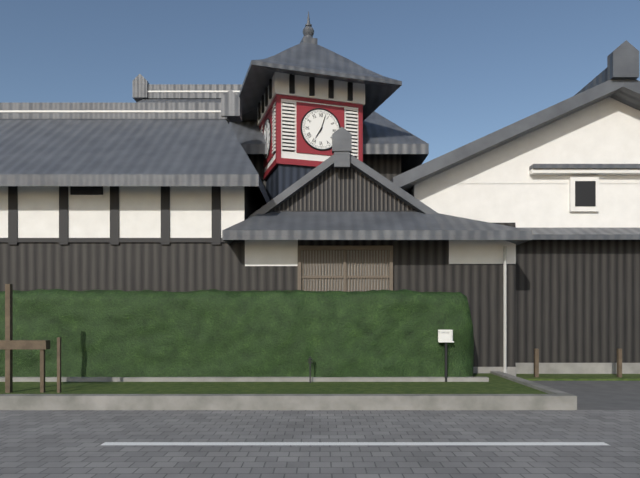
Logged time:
7h03
